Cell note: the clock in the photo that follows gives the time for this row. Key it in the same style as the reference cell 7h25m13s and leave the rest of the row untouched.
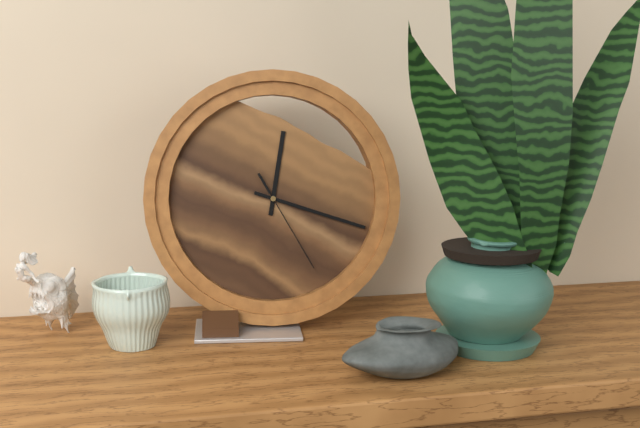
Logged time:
12h18m25s
